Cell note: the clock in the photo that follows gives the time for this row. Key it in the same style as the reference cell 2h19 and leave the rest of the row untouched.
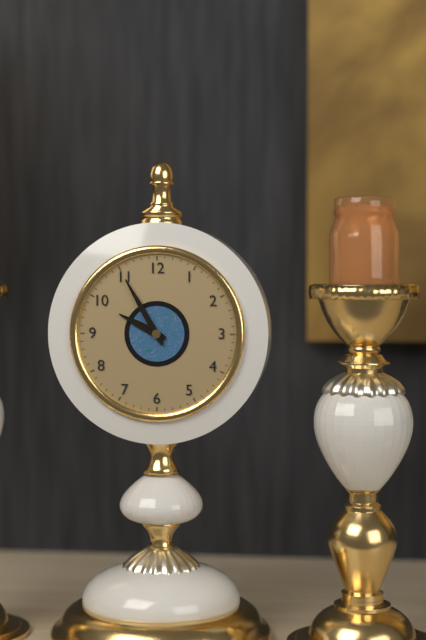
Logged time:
9h55
